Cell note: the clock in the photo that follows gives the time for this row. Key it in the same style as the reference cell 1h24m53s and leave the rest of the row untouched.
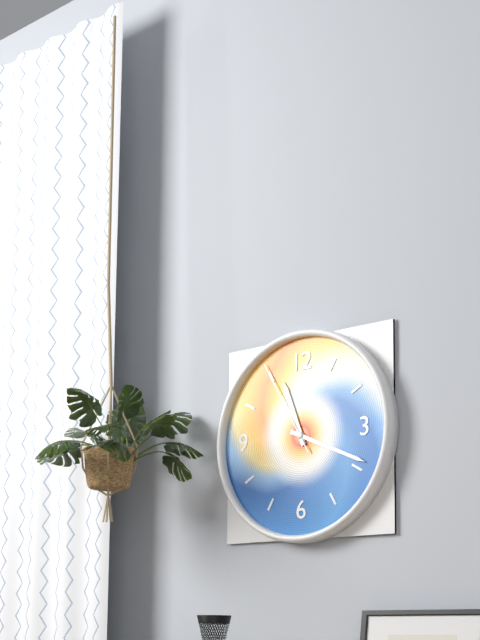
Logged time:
11h19m55s
